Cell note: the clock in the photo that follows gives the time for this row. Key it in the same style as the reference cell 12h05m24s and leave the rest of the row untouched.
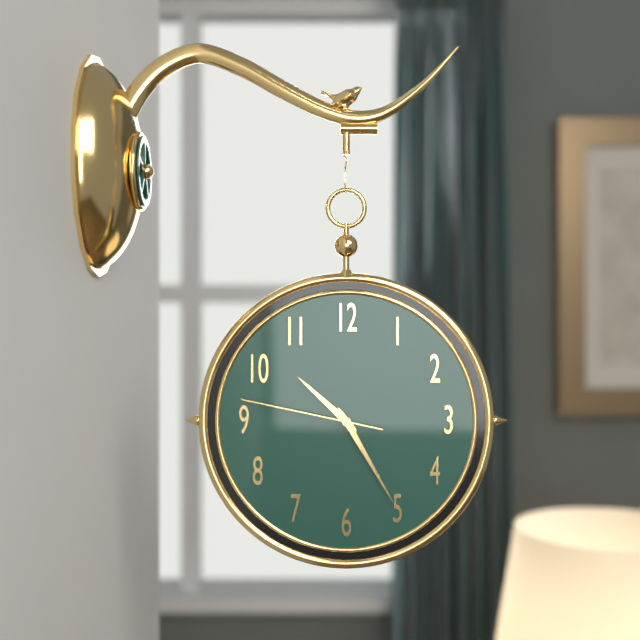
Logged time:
10h25m47s
